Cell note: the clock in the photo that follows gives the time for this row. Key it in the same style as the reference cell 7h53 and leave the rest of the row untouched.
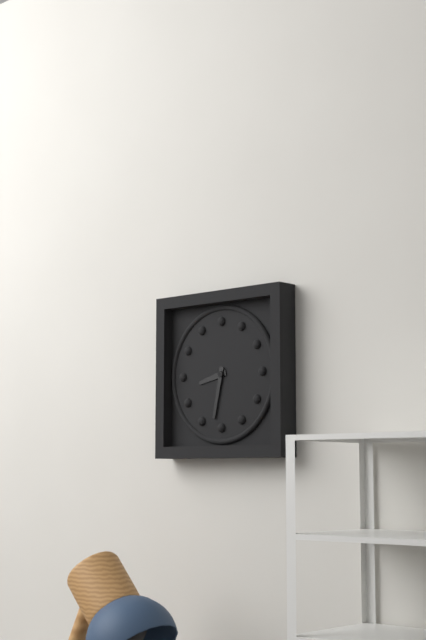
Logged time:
8h32
